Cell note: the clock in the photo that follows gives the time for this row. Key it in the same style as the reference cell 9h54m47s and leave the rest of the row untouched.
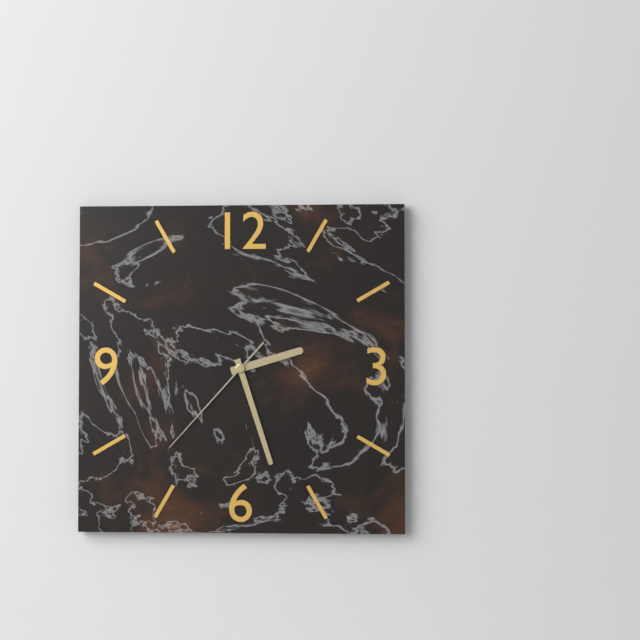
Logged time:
2h27m37s
